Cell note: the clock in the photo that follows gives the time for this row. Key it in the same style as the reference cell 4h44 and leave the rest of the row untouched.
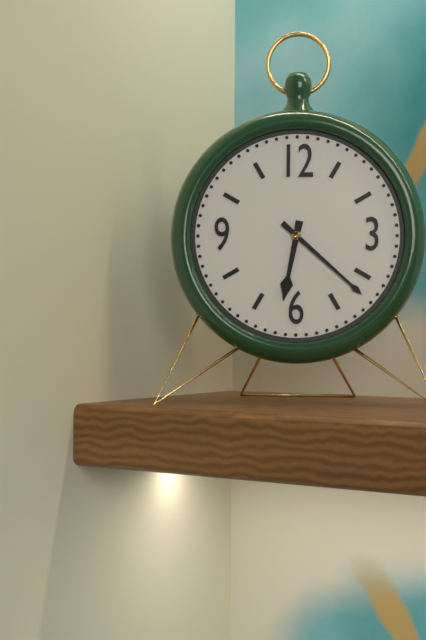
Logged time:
6h22
